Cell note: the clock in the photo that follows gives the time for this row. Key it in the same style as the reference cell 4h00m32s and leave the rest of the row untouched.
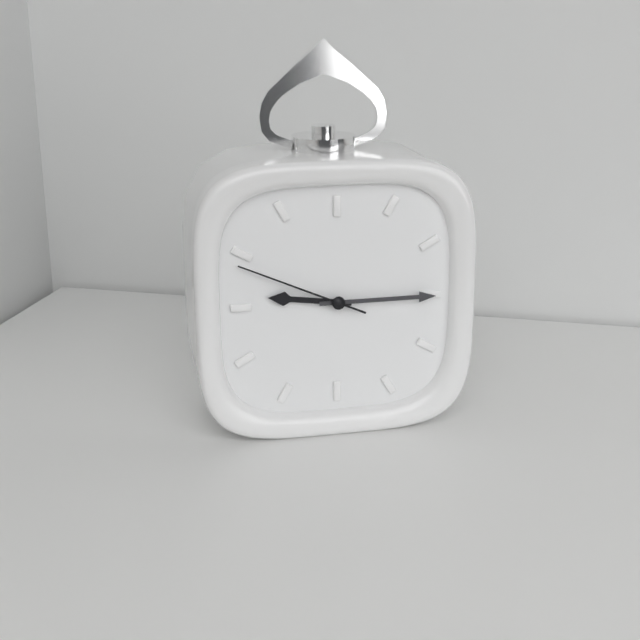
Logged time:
9h15m49s
